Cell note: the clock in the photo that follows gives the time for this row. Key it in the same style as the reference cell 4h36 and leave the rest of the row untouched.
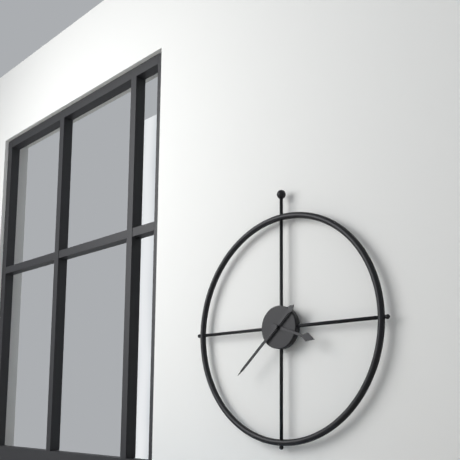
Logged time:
3h38
